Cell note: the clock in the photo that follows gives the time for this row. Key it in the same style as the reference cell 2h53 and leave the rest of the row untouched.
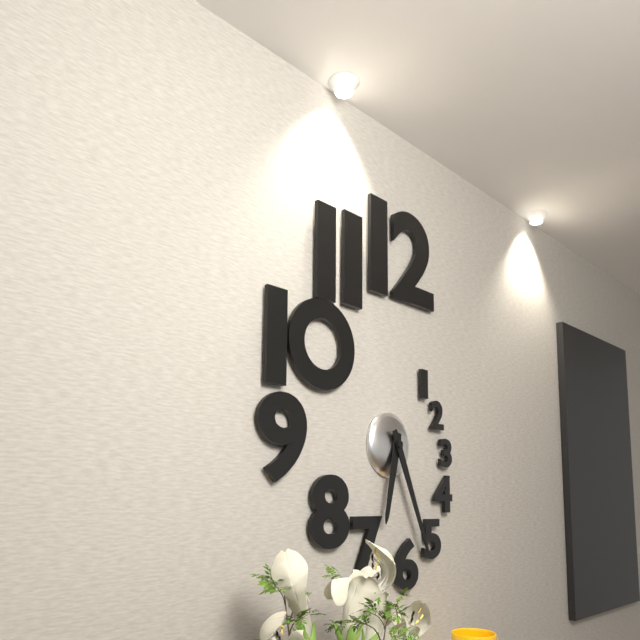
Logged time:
6h26
